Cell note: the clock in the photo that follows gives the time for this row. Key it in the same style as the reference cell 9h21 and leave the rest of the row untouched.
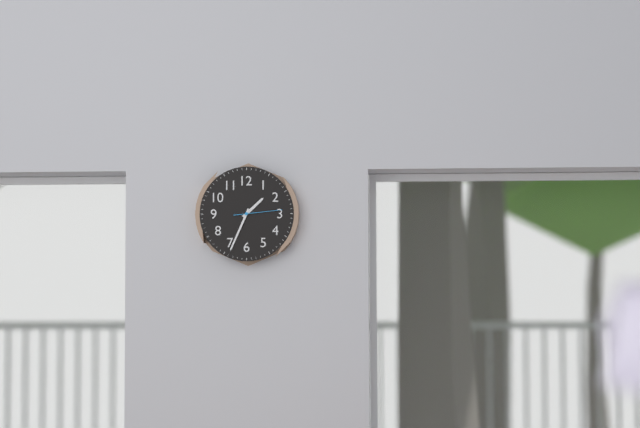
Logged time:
1h34
